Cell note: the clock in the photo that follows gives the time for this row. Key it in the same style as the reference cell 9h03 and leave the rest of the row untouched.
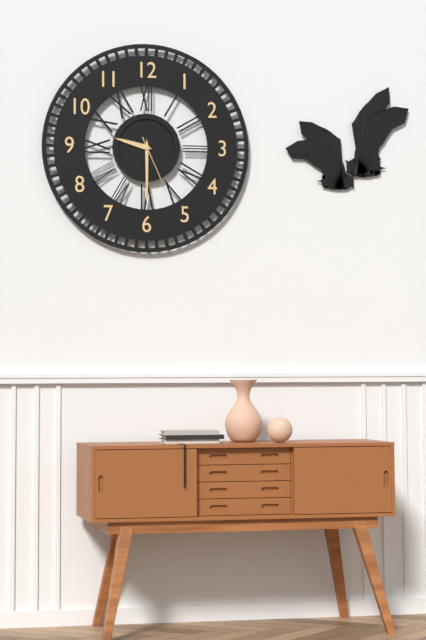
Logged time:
9h30
